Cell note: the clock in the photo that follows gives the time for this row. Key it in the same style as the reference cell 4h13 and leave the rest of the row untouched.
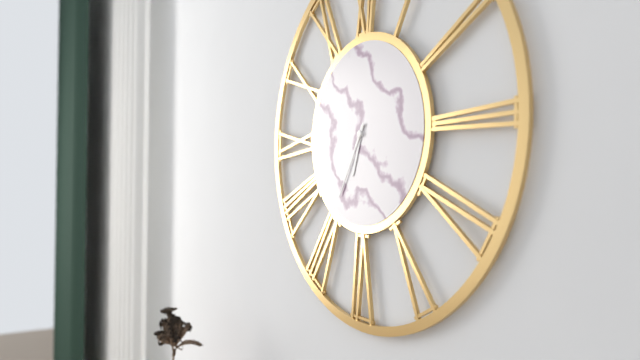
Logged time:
6h35
